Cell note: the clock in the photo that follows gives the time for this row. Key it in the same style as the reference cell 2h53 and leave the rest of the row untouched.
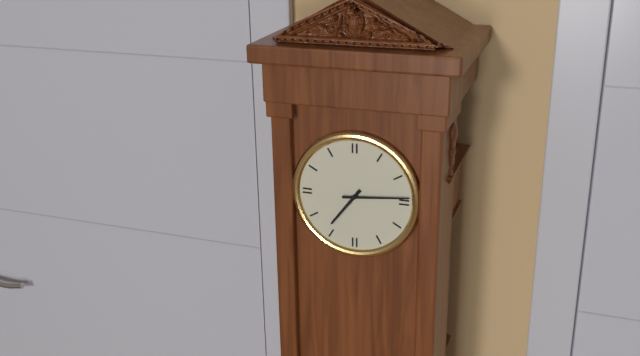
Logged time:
7h14
